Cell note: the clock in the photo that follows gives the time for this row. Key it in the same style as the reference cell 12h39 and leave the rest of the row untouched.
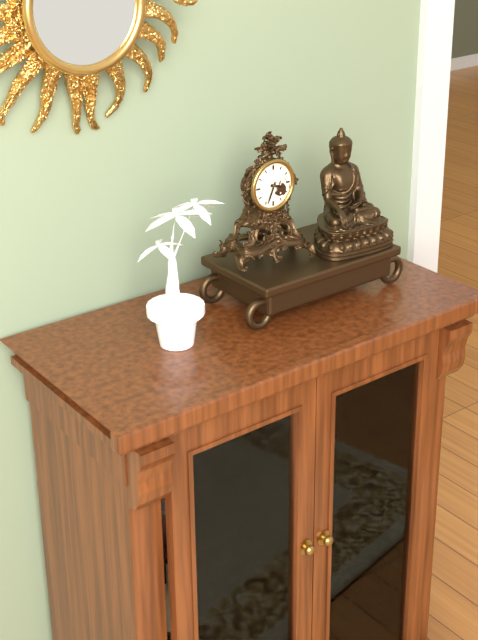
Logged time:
3h34
